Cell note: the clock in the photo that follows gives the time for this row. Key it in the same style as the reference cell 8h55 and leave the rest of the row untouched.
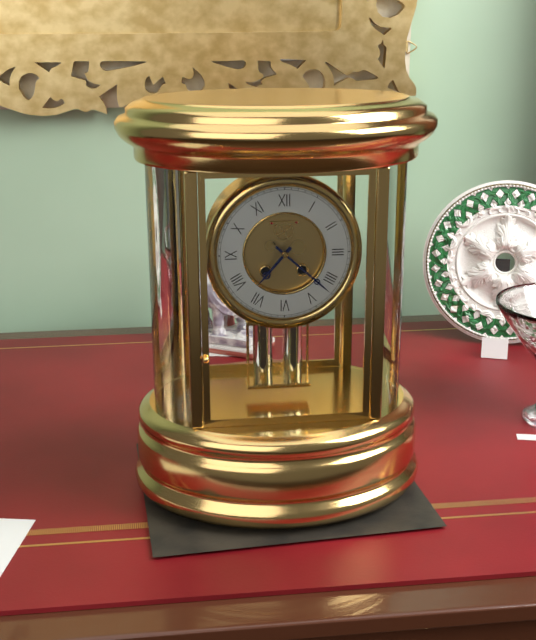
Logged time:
7h22
